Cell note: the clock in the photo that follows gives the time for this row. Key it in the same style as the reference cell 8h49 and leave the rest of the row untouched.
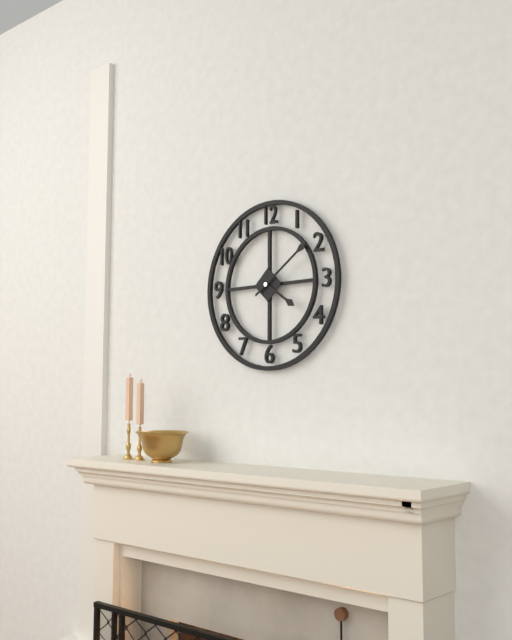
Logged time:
4h09
